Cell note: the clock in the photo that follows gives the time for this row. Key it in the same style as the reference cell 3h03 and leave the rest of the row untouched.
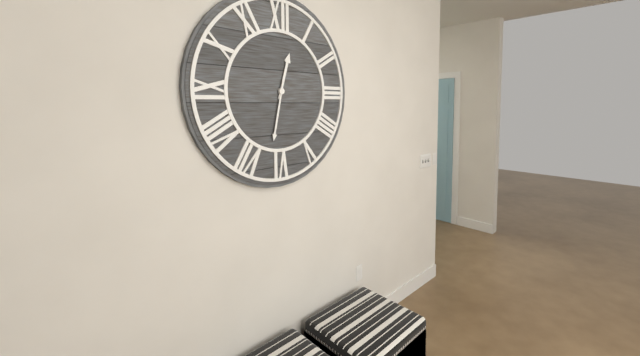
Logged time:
12h32
